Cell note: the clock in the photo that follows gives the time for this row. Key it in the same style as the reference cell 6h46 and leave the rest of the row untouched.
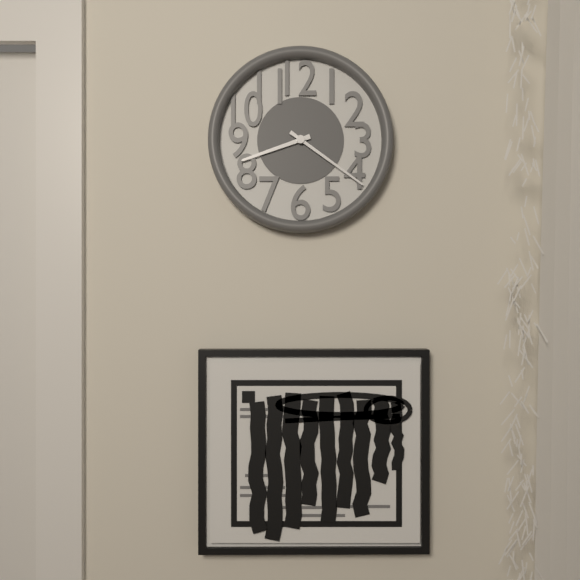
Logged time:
8h21
